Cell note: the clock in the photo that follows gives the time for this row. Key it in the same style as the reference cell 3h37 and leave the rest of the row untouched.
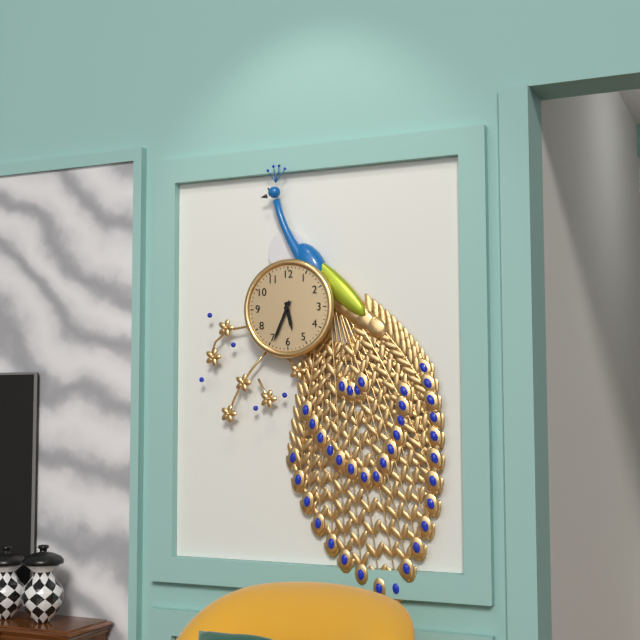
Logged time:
5h34
